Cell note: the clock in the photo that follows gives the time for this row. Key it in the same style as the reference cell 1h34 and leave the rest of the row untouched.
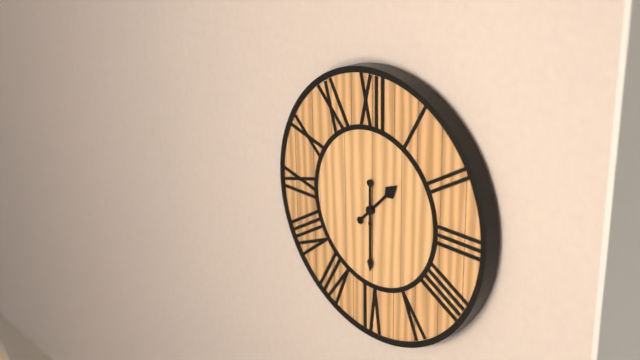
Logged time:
1h30
